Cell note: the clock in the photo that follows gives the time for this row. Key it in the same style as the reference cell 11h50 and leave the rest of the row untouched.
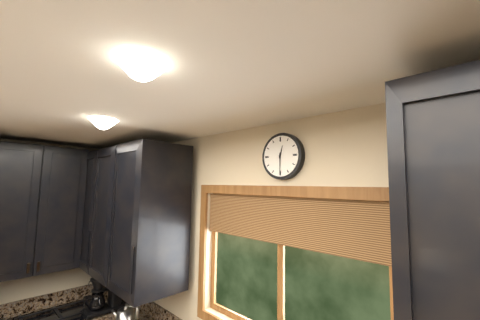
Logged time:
12h30
